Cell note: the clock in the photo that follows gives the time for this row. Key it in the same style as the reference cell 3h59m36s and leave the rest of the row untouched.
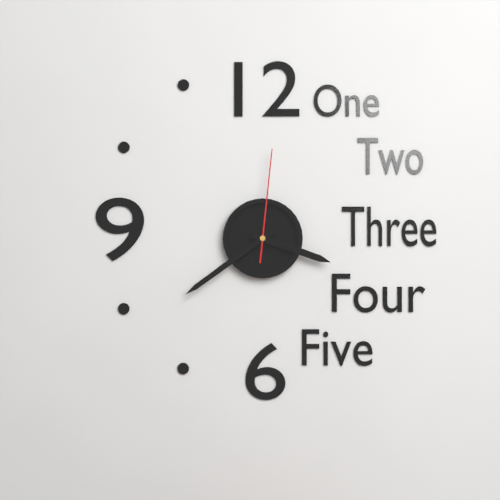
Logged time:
3h39m01s
